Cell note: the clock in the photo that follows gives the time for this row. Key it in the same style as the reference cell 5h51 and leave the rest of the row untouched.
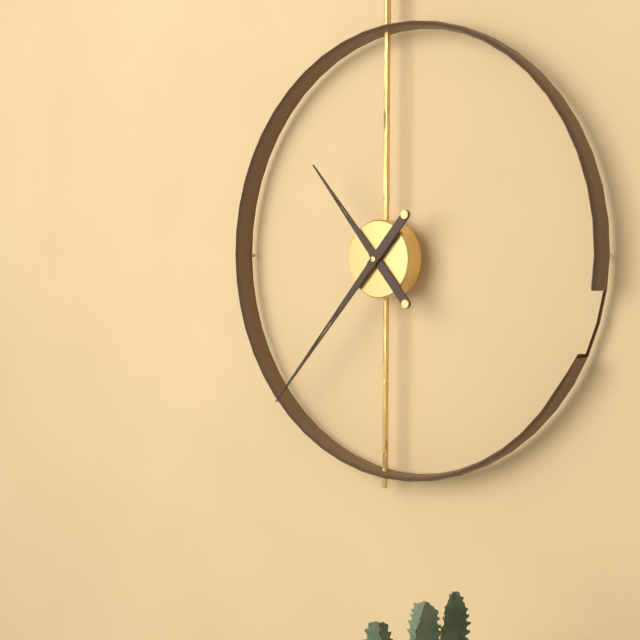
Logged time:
10h37
